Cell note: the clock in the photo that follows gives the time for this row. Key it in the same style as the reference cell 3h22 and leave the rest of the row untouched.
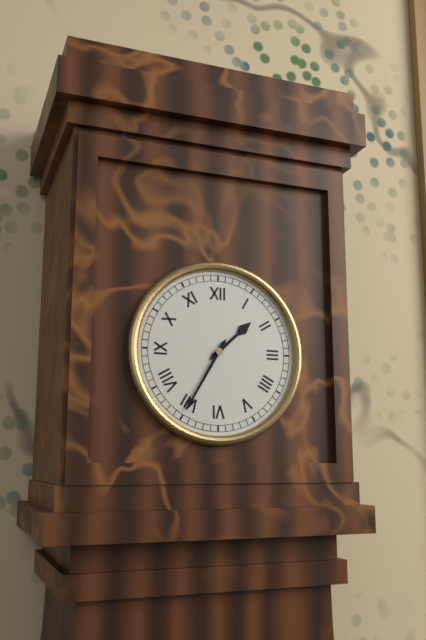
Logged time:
1h35
